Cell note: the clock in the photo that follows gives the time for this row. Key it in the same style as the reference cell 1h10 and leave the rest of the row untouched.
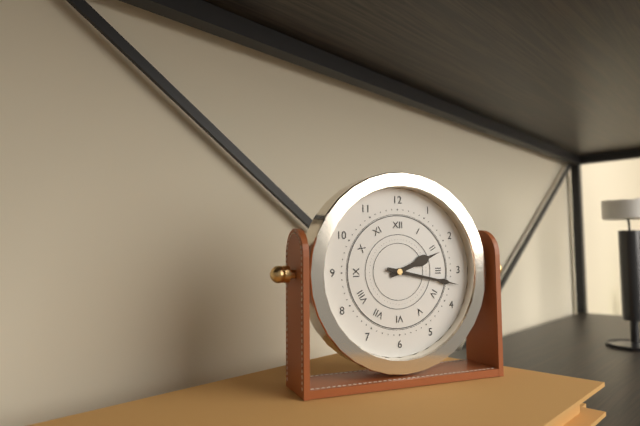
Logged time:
2h17
